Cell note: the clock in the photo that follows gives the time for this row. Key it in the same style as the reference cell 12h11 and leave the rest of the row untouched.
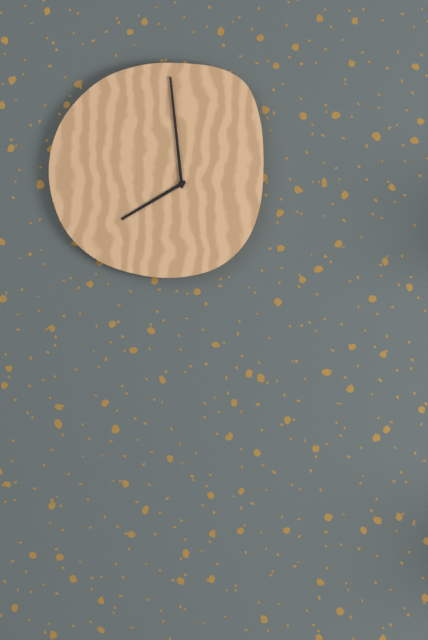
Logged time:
7h59
